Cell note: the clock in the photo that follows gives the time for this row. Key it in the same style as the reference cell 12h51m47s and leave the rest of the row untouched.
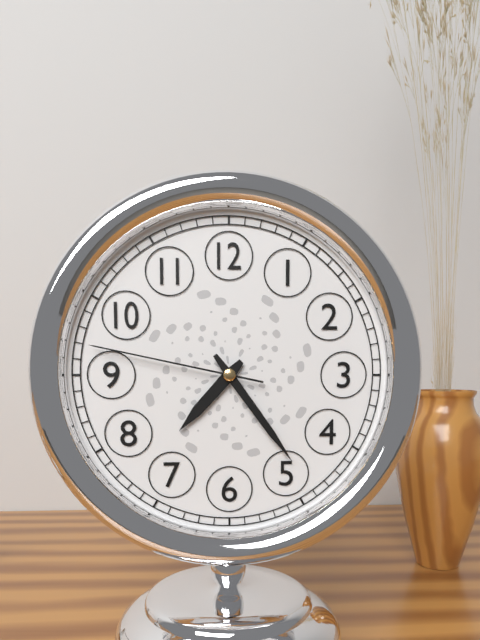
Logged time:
7h24m47s
